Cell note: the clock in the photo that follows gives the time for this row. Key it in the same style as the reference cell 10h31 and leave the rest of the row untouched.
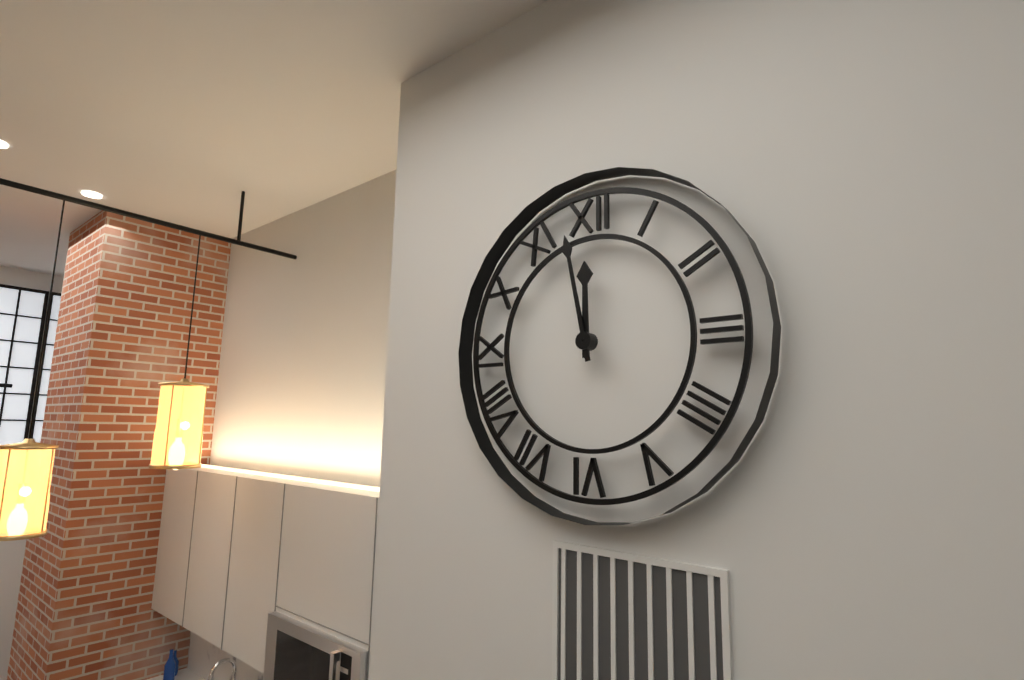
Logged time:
11h58
